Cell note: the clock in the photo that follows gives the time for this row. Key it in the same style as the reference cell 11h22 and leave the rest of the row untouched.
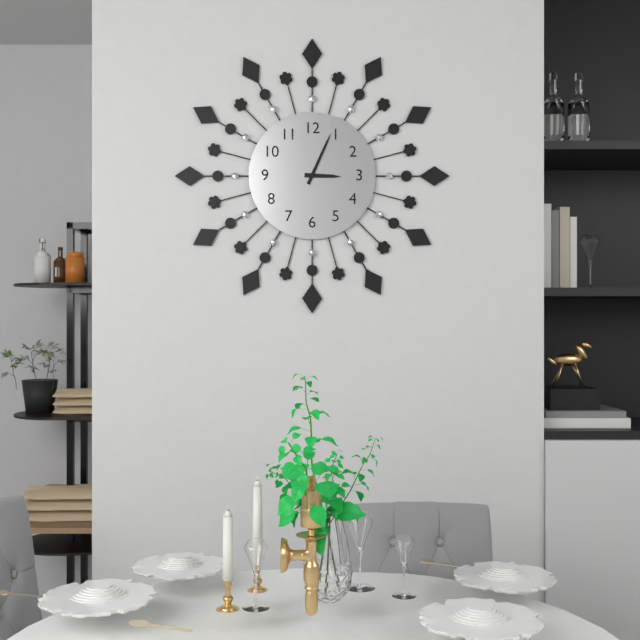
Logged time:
3h04
